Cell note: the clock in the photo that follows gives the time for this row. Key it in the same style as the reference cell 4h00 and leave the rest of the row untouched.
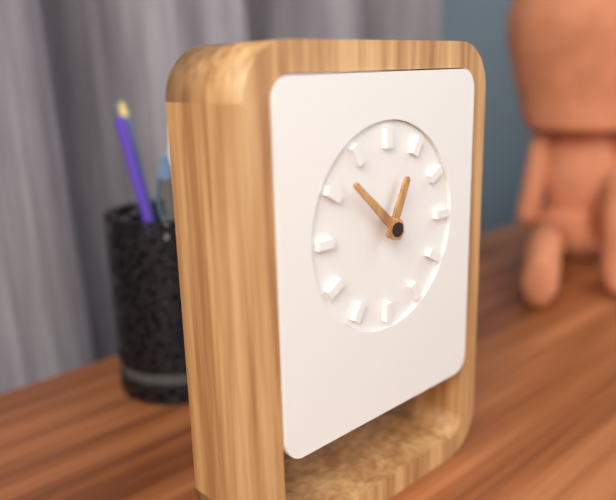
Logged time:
12h52
